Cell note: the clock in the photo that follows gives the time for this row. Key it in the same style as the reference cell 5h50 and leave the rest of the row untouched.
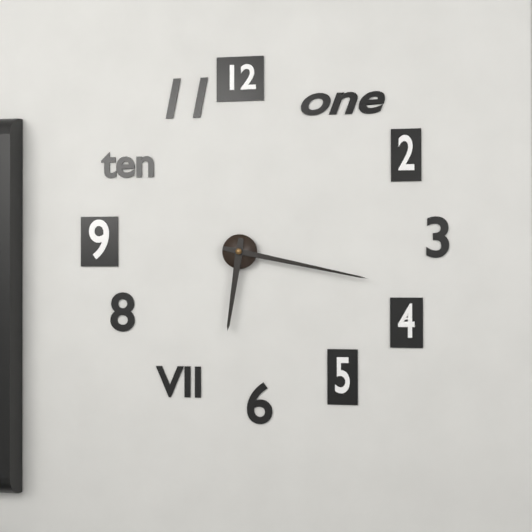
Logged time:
6h17
